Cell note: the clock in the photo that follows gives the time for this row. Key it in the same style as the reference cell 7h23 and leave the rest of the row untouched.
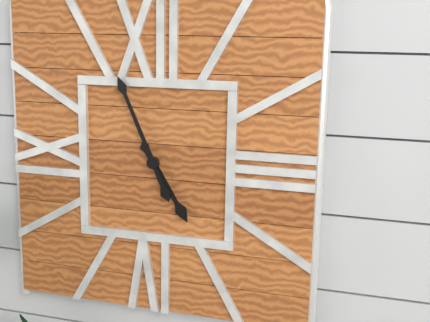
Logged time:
4h56
